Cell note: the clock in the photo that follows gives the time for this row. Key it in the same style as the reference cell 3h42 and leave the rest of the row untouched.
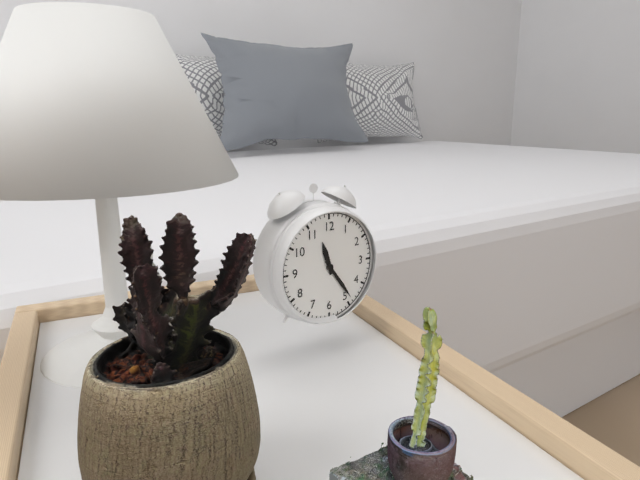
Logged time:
11h24
